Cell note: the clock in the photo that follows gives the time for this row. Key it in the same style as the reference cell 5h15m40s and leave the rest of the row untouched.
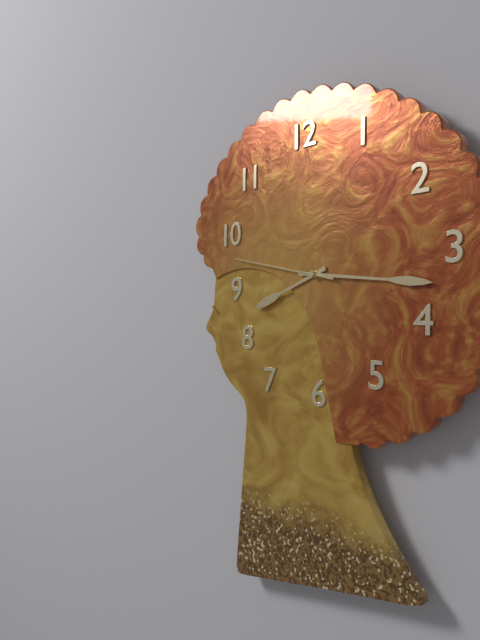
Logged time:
8h16m47s
